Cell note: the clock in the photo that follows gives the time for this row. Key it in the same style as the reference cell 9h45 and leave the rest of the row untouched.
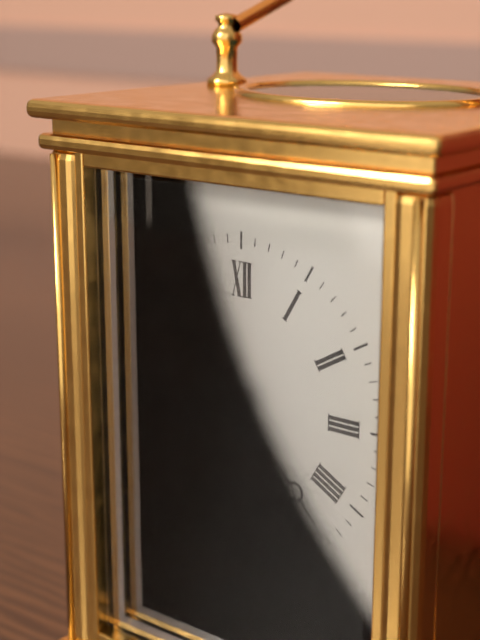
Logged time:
8h23
